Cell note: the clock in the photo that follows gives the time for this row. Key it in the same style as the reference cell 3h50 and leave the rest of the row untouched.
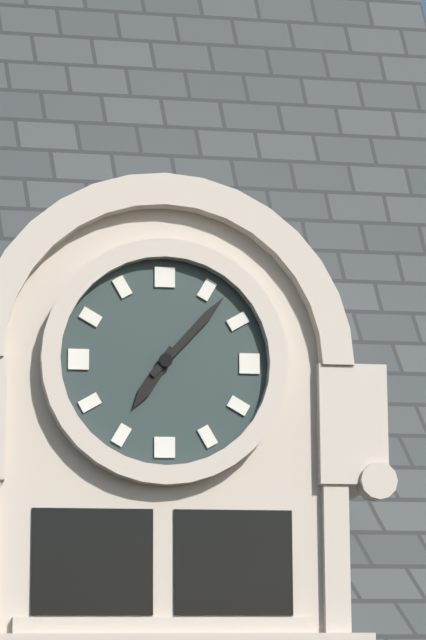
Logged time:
7h07
